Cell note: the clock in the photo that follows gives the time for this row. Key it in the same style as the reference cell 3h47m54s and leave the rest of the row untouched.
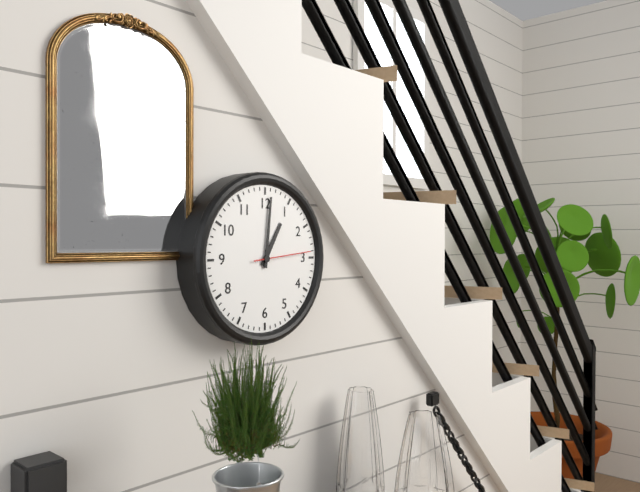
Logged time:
1h01m14s
